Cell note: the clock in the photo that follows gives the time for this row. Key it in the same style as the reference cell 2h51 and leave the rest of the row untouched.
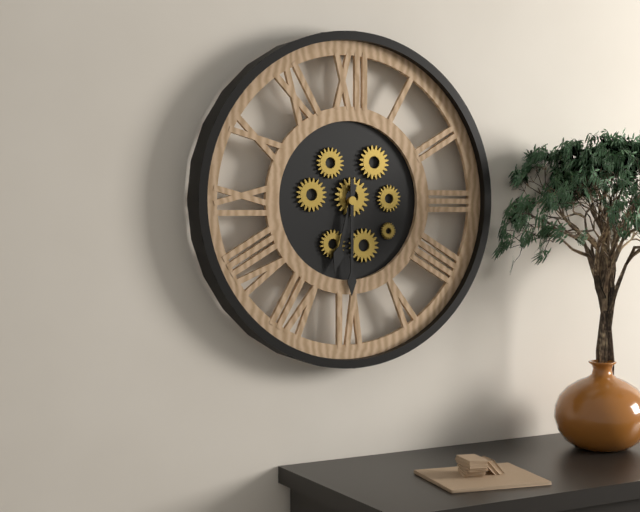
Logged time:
6h30
